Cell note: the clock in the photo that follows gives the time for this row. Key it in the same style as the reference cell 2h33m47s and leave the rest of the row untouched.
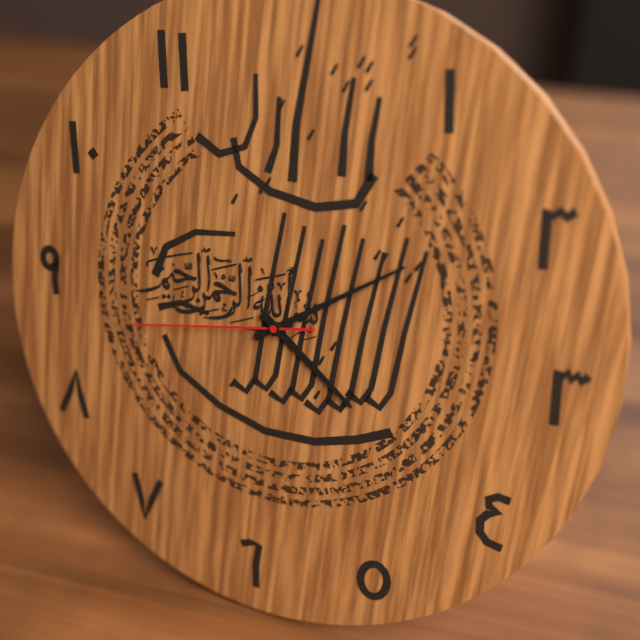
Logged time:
4h09m43s
